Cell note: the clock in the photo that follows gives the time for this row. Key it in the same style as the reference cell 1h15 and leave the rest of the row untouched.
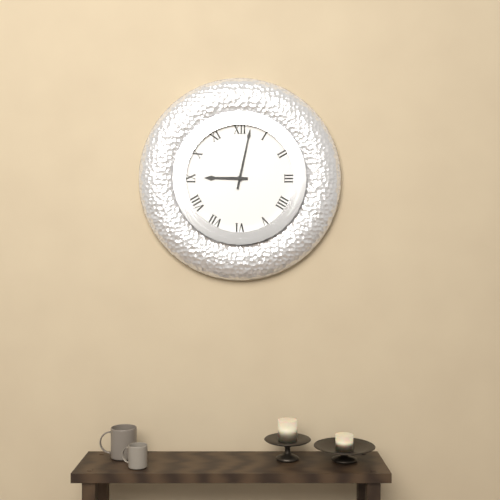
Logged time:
9h02
